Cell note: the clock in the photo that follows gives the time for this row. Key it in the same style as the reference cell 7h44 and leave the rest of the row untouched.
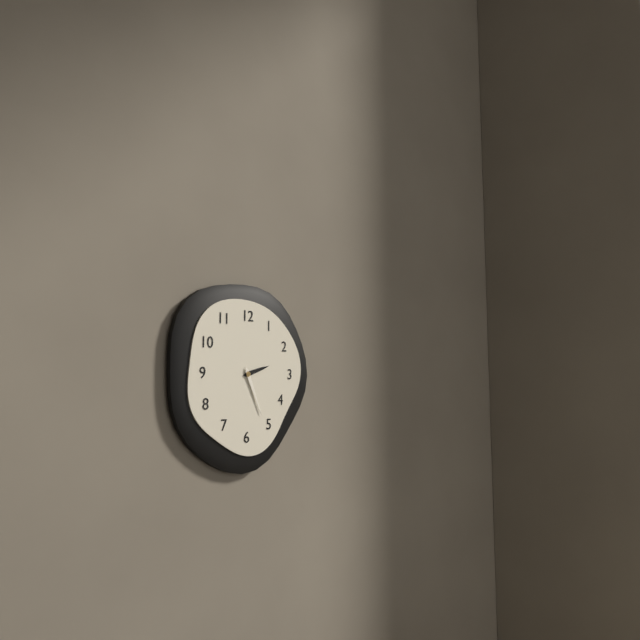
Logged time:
2h26
